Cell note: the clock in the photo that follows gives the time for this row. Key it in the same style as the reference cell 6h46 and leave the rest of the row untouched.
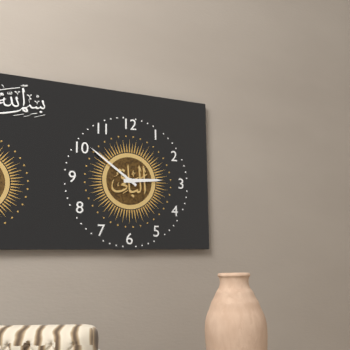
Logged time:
2h51
